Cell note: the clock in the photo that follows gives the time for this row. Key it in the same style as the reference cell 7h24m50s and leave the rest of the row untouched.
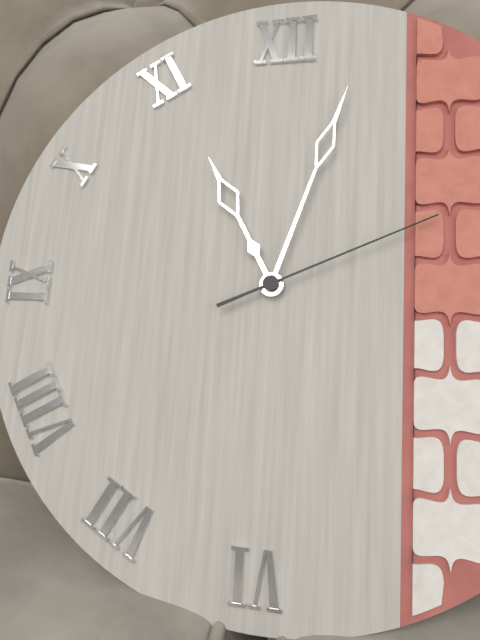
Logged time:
11h03m11s
